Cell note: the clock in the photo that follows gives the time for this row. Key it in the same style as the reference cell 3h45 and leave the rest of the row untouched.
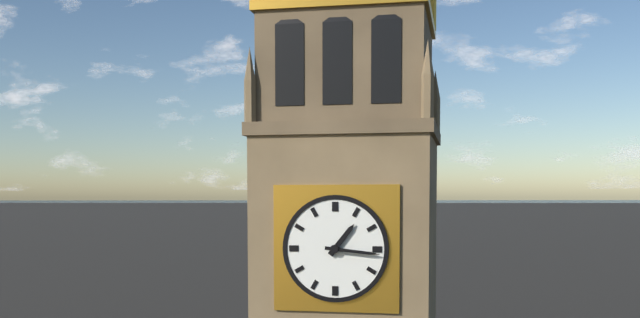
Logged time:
1h16
